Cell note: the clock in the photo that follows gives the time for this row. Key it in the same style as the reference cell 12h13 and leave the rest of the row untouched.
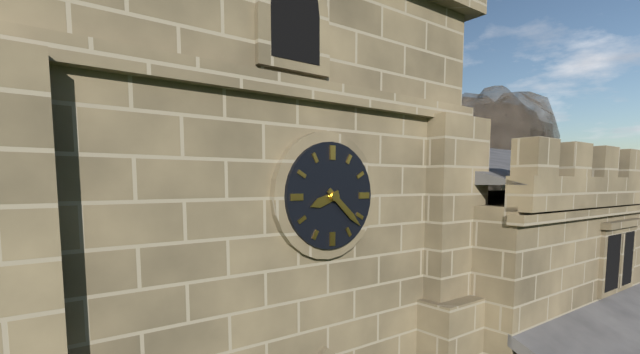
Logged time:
8h22
